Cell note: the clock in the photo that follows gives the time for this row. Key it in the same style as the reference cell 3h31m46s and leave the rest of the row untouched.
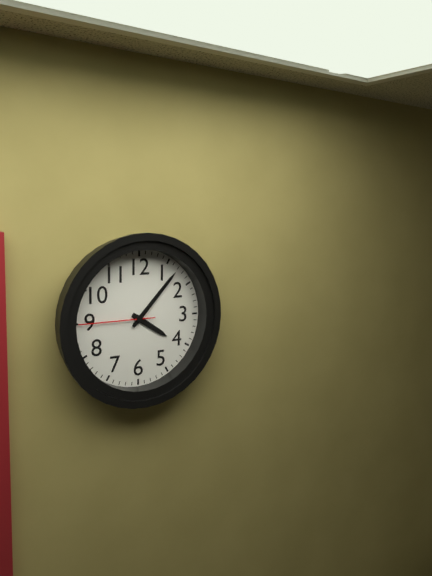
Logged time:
4h07m45s
